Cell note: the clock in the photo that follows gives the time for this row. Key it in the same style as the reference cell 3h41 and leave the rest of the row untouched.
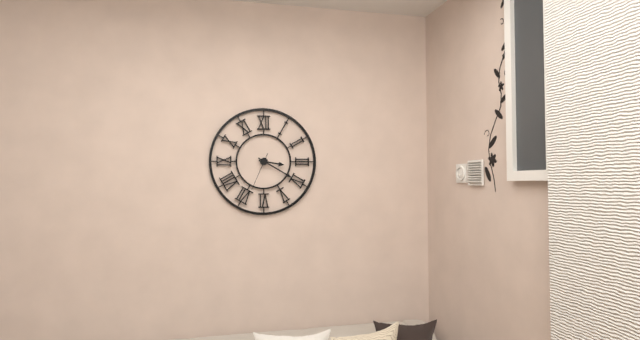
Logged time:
3h20
